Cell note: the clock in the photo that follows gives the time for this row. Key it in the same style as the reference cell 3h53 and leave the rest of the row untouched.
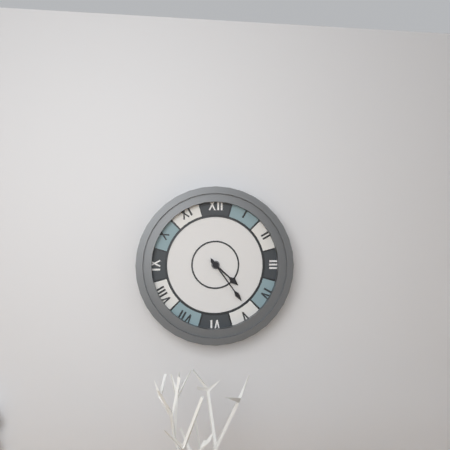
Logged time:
4h24
